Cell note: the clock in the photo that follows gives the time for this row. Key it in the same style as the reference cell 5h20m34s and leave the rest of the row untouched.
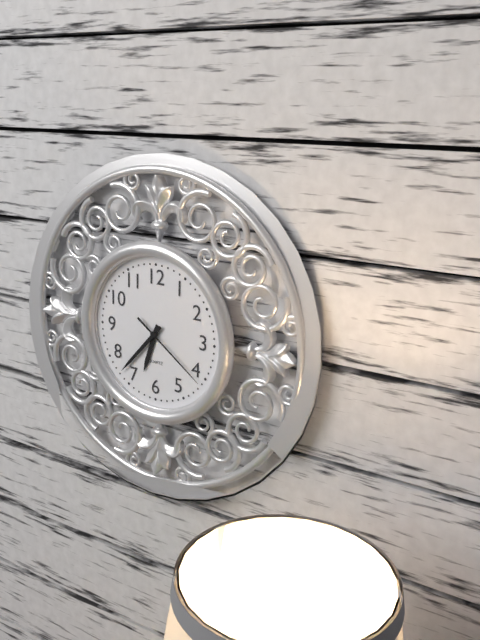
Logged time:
6h37m21s
